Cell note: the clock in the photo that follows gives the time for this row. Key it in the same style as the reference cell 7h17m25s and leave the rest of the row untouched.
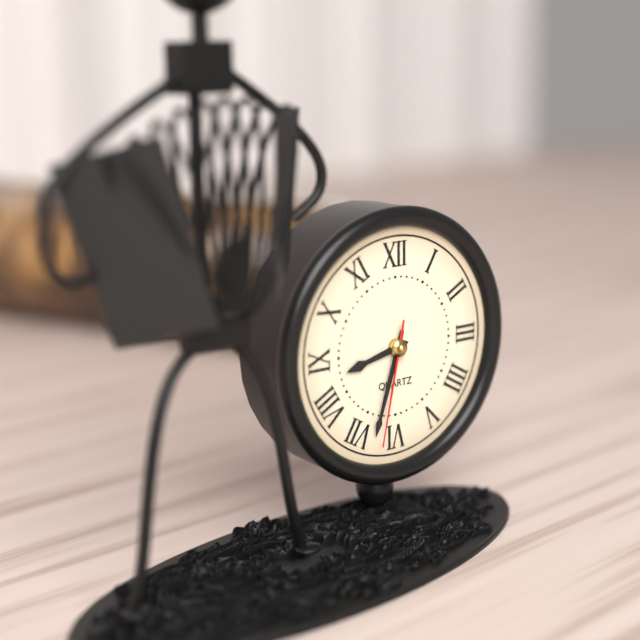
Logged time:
8h33m32s
